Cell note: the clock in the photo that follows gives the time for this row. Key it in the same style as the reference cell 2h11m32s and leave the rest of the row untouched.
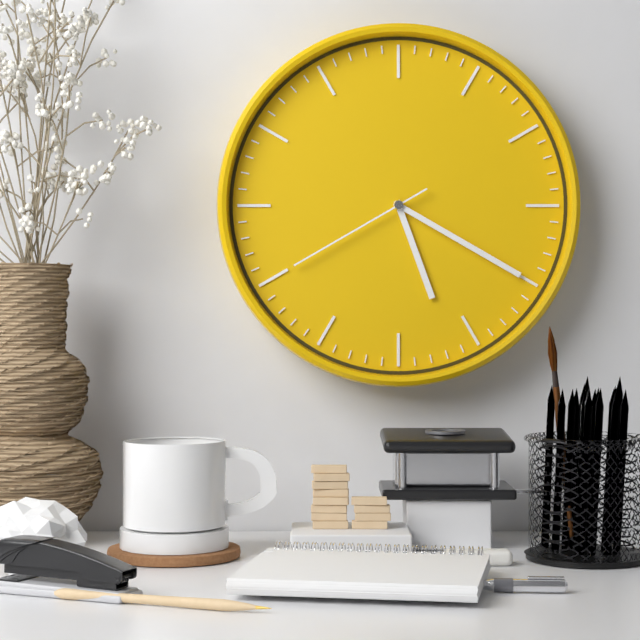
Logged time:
5h20m40s
